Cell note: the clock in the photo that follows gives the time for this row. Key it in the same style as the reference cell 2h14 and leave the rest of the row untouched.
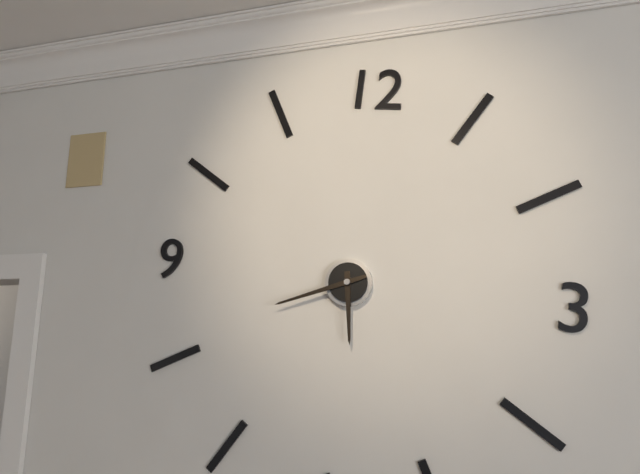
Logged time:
5h41
